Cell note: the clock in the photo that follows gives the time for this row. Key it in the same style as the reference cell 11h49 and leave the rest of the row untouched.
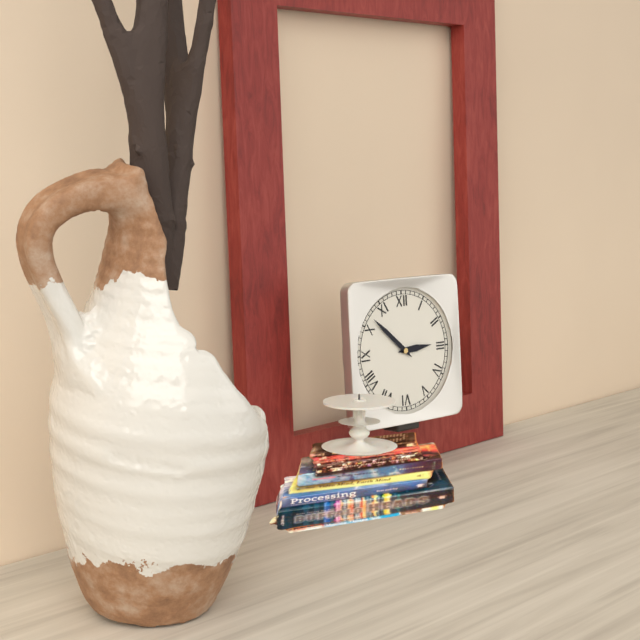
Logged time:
2h52
